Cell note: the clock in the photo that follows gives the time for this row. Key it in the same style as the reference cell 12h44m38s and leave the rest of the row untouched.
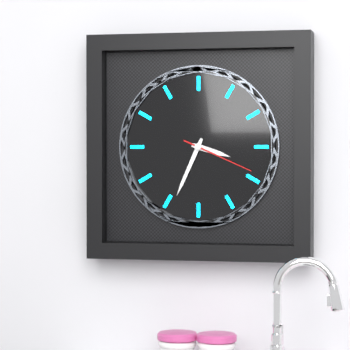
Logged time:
3h34m19s
